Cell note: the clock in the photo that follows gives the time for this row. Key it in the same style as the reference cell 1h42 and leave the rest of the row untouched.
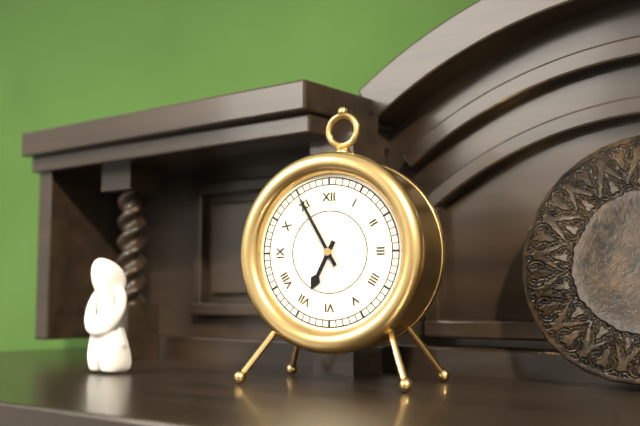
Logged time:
6h55
